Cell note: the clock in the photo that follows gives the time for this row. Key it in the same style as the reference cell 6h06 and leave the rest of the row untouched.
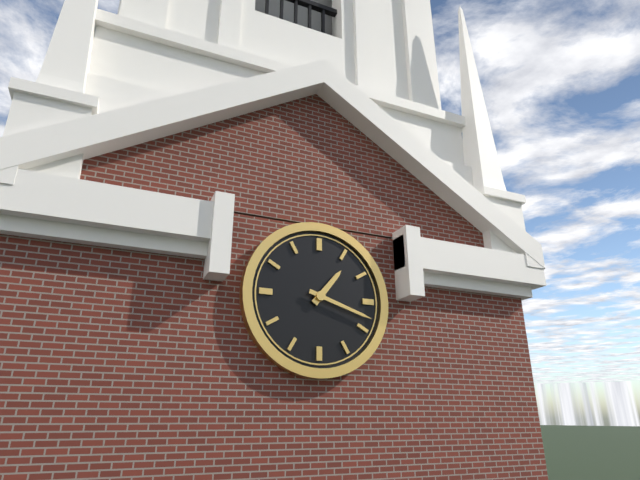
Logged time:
1h18
